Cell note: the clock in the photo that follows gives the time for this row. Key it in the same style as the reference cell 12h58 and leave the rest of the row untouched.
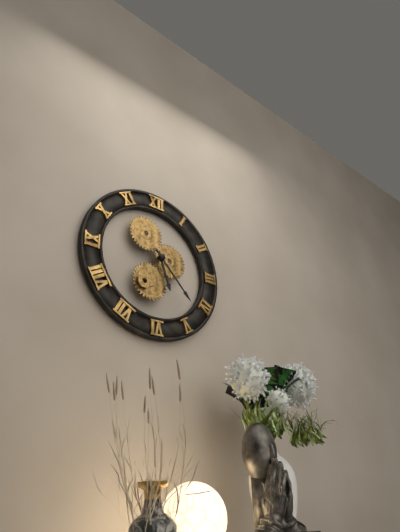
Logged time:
5h23
